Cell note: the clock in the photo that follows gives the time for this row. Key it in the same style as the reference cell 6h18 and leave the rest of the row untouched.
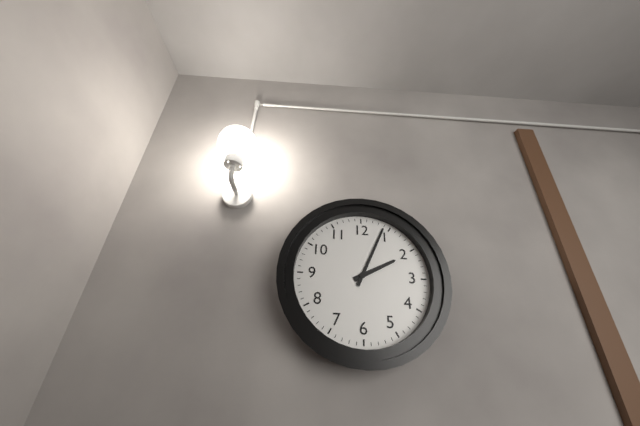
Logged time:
2h04
